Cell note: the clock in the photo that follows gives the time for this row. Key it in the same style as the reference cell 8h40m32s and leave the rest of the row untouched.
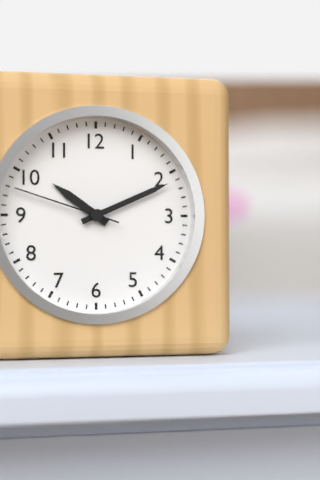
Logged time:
10h11m48s
